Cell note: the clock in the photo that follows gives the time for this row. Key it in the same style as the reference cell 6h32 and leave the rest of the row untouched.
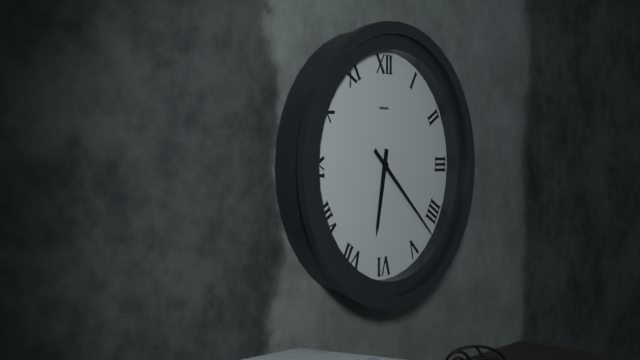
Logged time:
6h22
